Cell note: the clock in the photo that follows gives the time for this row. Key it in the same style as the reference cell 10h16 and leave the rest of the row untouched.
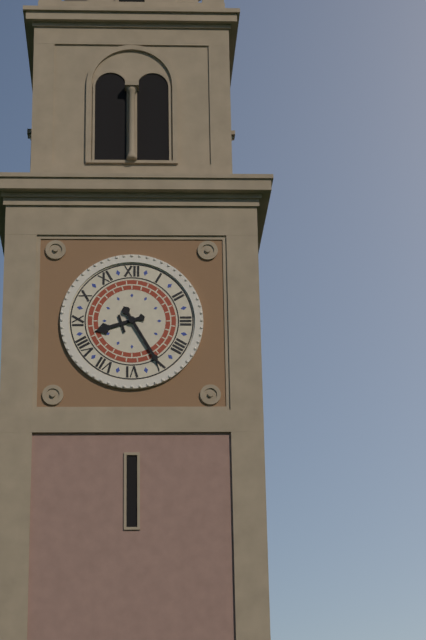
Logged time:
8h25
